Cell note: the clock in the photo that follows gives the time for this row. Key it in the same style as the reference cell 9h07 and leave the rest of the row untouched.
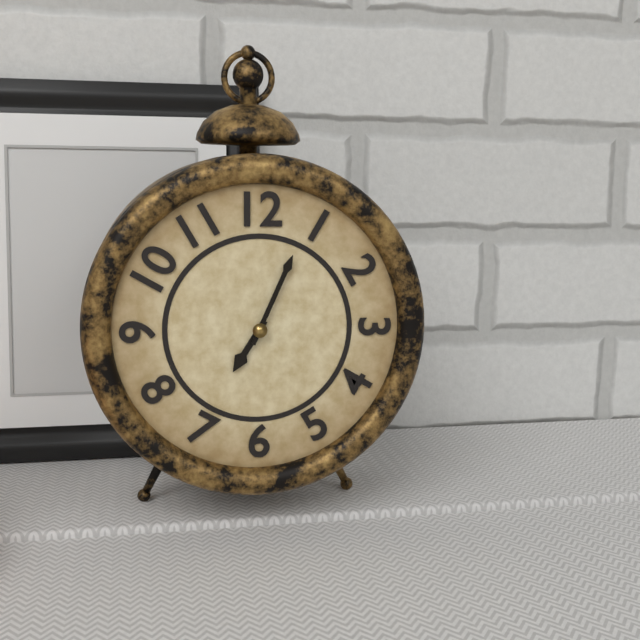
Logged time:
7h04
